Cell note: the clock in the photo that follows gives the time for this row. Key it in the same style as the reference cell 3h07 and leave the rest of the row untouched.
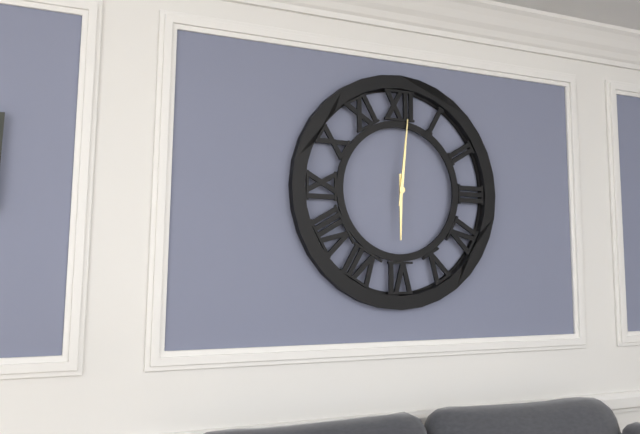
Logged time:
6h01
